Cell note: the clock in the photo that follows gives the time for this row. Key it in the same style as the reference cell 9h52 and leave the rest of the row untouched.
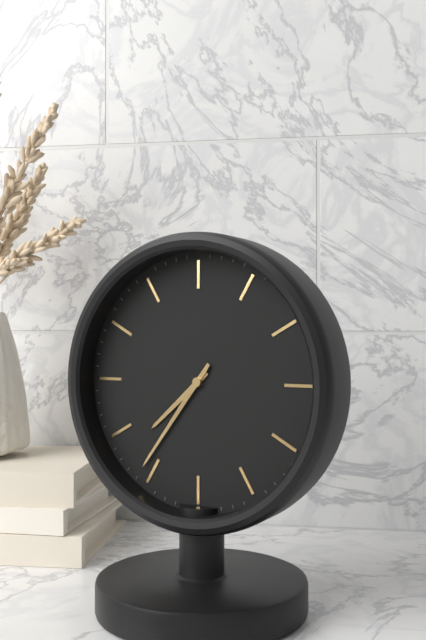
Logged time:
7h36
